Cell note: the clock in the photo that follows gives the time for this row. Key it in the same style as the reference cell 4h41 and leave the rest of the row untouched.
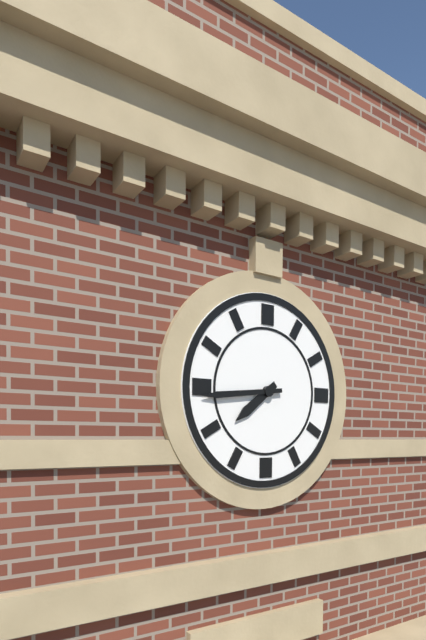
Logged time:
7h44
